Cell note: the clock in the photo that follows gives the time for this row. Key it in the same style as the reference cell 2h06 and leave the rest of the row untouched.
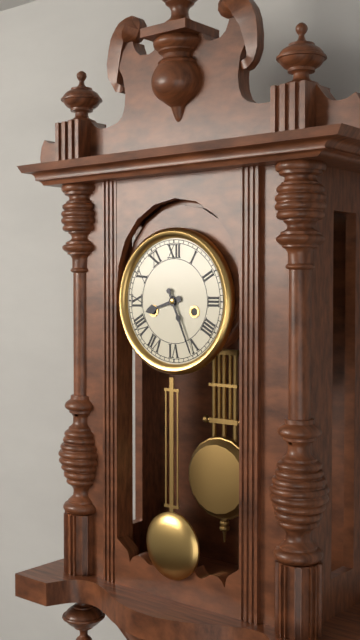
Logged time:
8h26
